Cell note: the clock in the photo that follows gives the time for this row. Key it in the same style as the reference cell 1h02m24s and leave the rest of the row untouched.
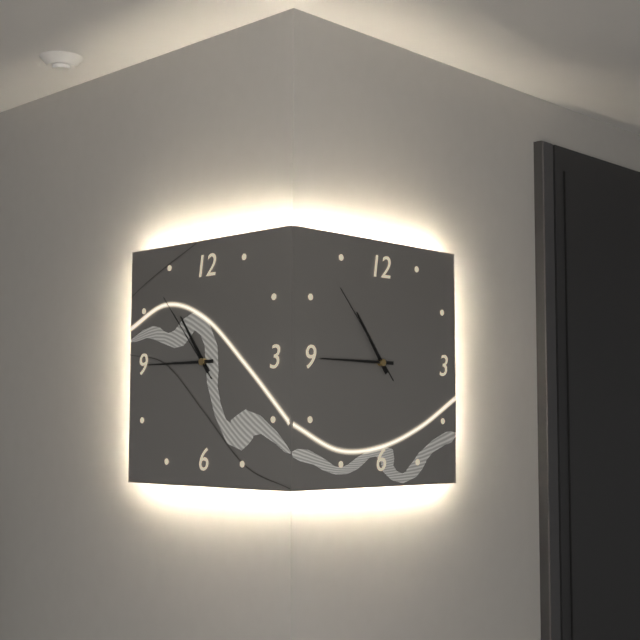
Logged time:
10h45m53s
